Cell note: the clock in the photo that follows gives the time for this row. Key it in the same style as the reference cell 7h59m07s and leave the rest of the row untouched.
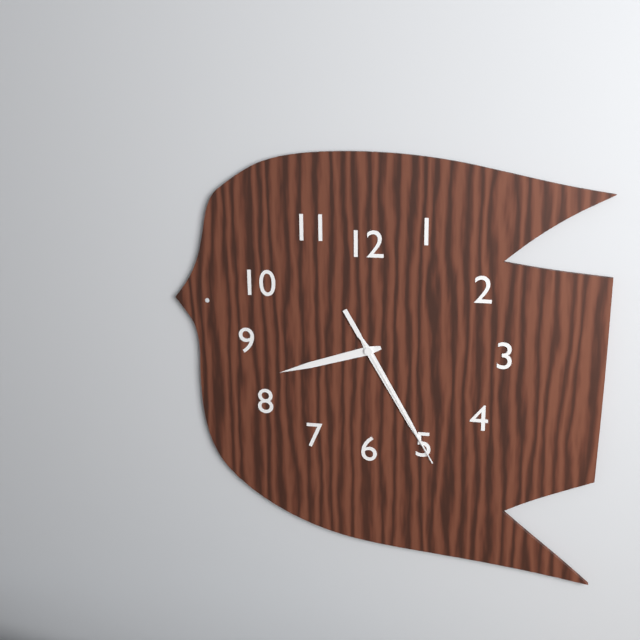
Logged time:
8h25m25s
